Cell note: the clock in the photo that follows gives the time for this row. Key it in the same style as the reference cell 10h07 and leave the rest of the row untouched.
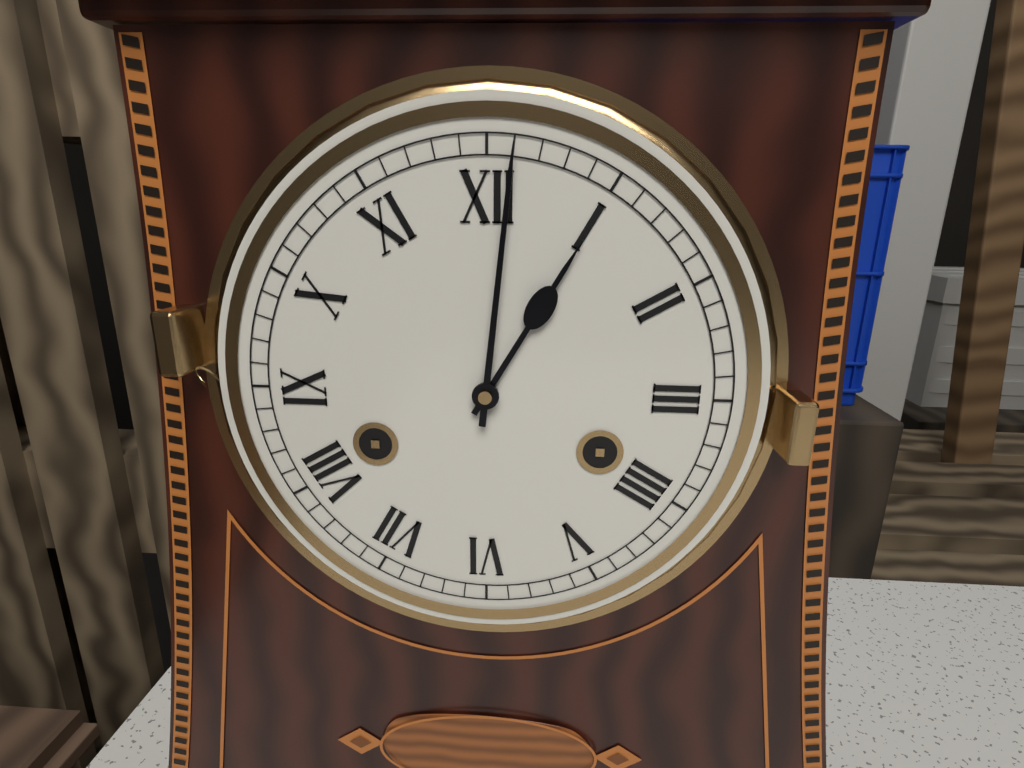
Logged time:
1h01
